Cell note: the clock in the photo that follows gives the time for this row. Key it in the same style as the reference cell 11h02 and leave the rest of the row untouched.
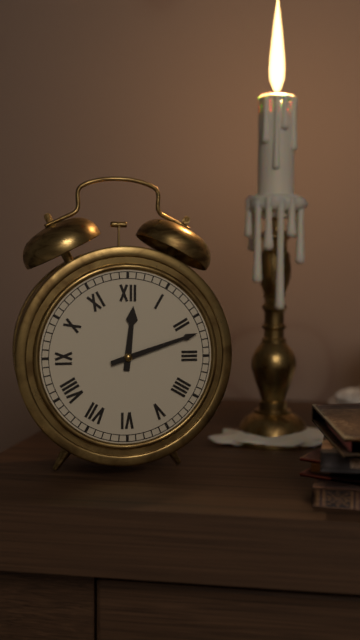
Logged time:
12h12
